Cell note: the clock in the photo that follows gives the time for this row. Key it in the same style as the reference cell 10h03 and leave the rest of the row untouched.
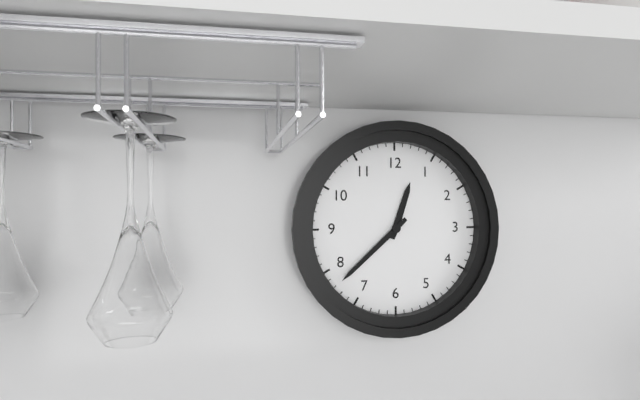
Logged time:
12h38
